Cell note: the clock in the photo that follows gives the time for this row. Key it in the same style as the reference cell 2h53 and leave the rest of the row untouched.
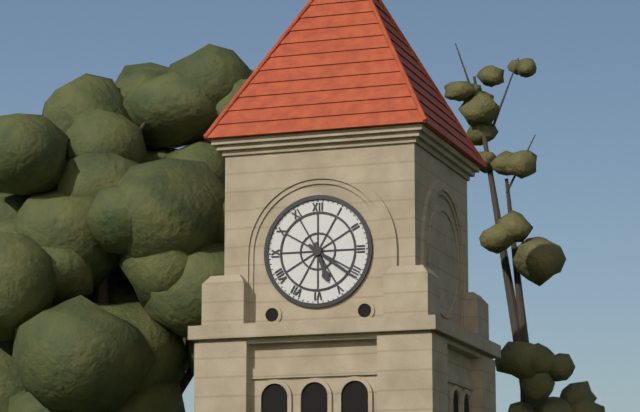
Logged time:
5h21
